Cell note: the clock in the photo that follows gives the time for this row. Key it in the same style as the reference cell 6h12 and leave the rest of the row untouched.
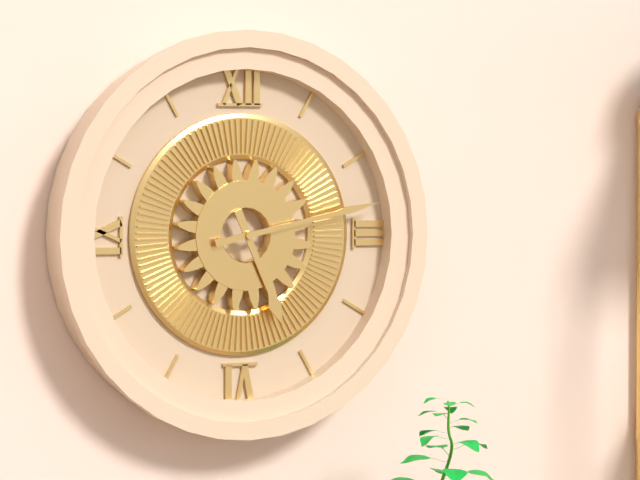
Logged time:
5h13
